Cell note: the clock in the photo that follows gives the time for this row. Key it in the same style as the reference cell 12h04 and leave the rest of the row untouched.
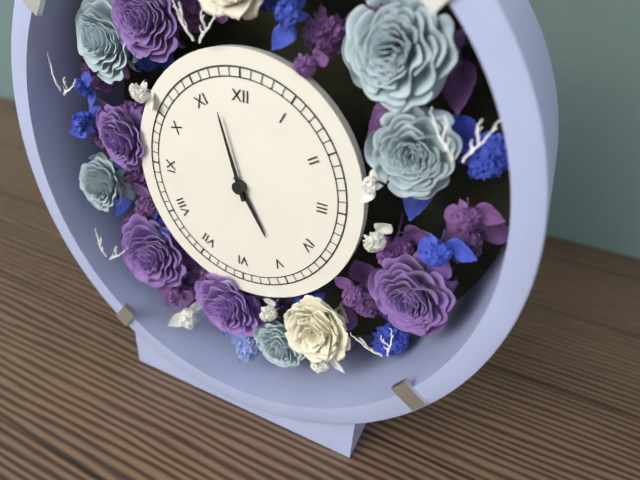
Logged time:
4h57
